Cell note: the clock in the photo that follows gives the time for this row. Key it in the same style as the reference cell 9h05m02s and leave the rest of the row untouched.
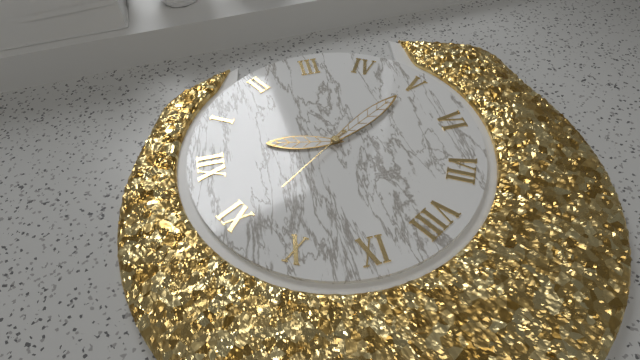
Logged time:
12h25m54s
